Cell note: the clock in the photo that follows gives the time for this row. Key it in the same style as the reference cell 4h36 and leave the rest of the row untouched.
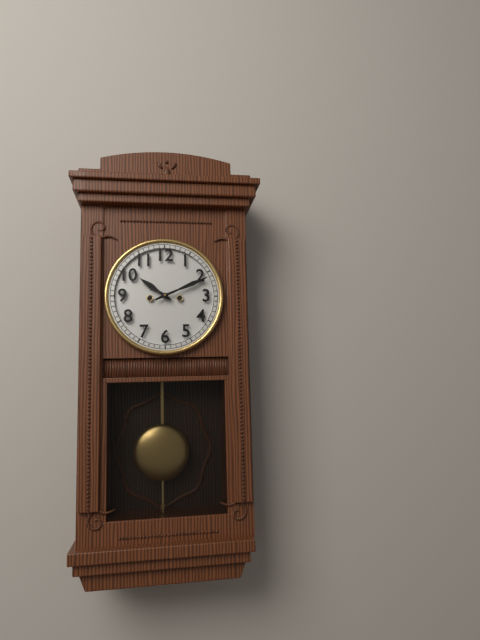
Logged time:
10h11
